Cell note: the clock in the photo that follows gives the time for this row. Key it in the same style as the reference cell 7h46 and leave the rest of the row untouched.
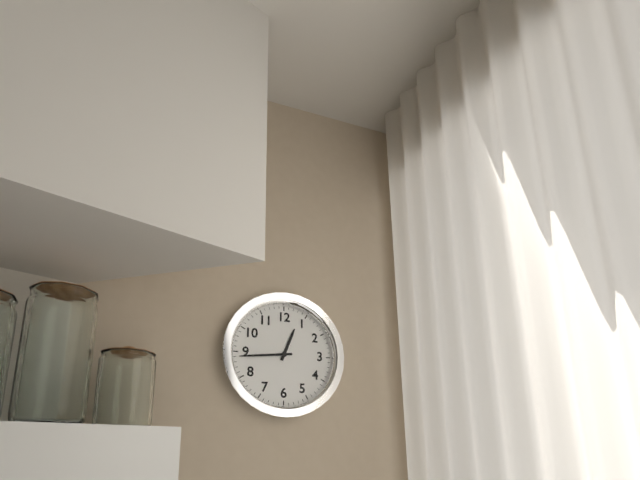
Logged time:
12h44
